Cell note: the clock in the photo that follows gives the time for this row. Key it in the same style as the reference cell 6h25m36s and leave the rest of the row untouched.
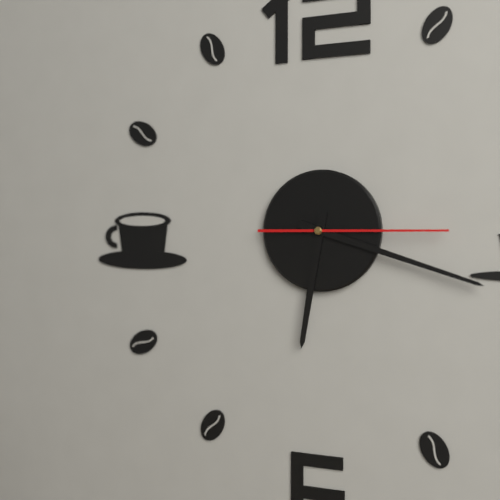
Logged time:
6h18m15s
